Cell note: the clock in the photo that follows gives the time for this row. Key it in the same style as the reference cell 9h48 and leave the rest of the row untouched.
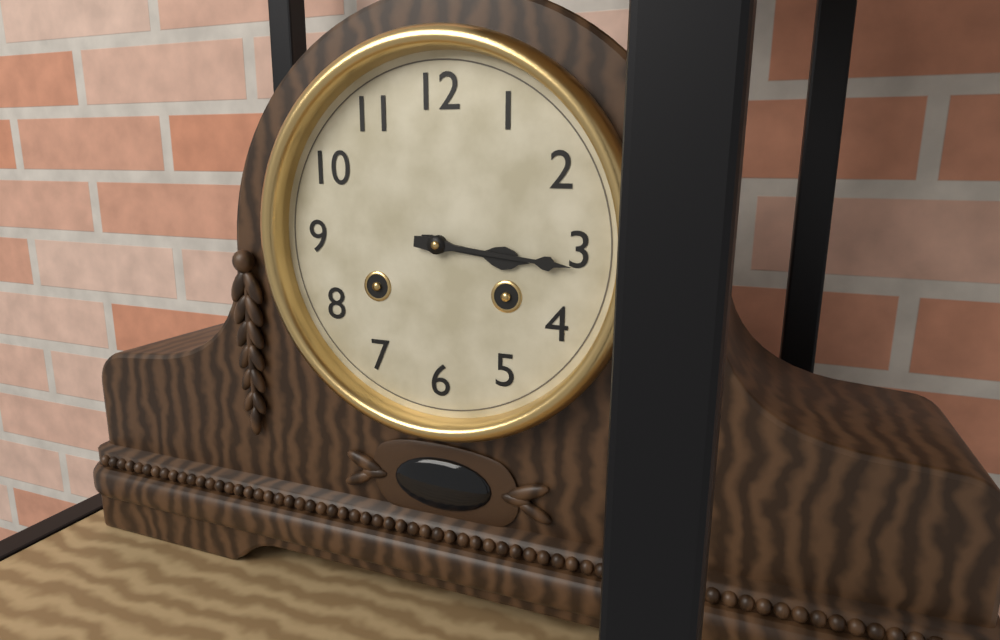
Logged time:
3h16
